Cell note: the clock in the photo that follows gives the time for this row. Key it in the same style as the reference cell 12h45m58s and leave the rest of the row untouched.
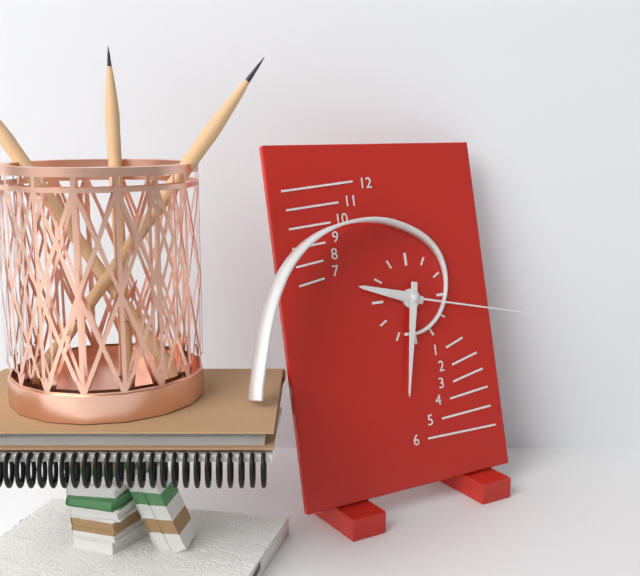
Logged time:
9h32m17s
